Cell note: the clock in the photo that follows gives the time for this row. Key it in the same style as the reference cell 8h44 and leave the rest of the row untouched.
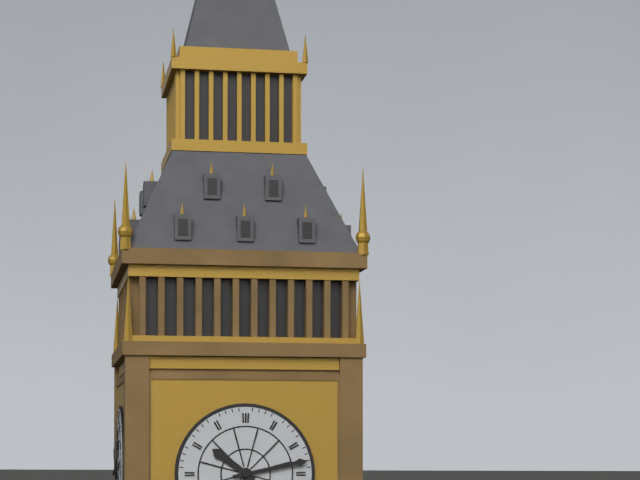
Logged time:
10h13
